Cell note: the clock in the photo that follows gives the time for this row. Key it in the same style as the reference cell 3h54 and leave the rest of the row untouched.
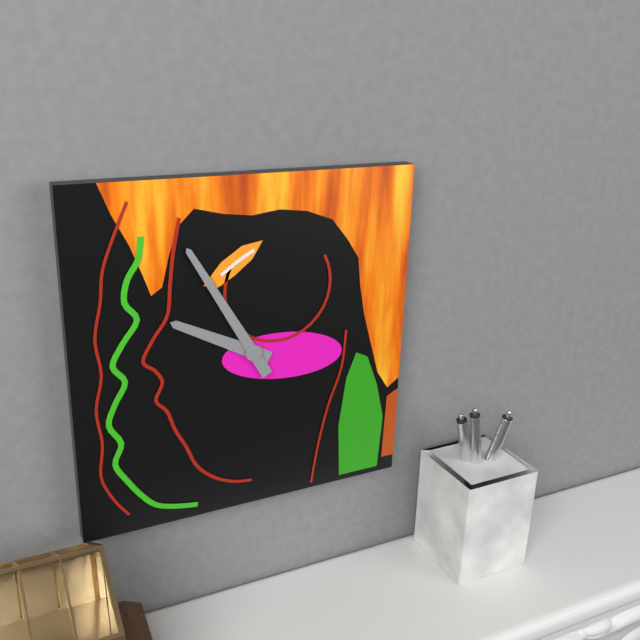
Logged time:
9h55
